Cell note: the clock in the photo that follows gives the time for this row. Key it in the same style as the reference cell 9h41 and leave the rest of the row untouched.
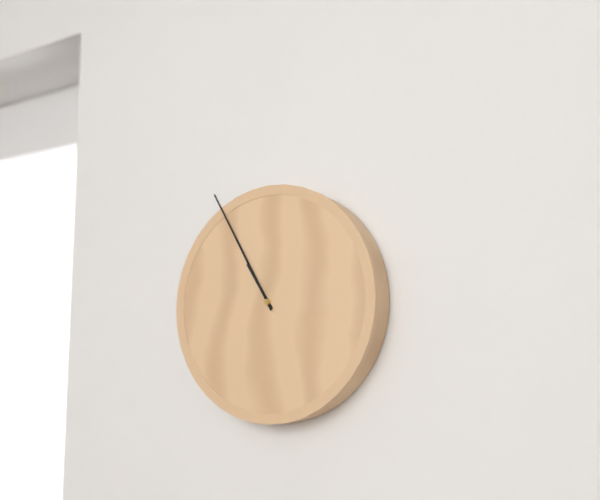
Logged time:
10h55
